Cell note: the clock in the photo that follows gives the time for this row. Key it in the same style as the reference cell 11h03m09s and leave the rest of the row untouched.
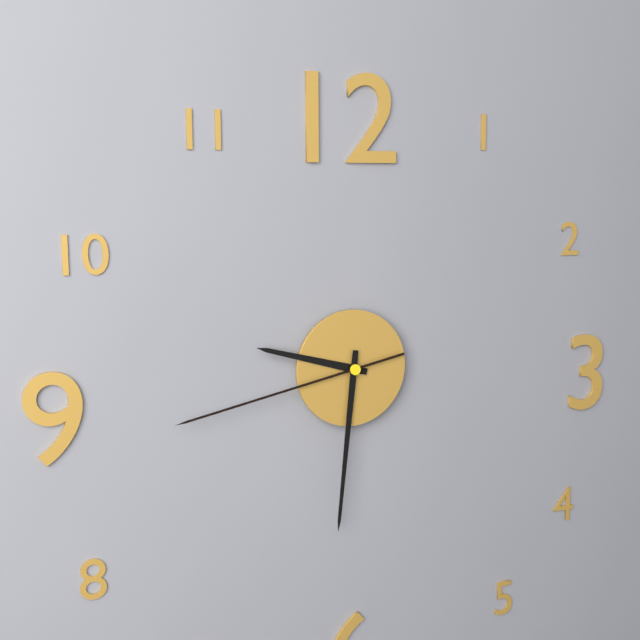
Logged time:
9h31m43s
